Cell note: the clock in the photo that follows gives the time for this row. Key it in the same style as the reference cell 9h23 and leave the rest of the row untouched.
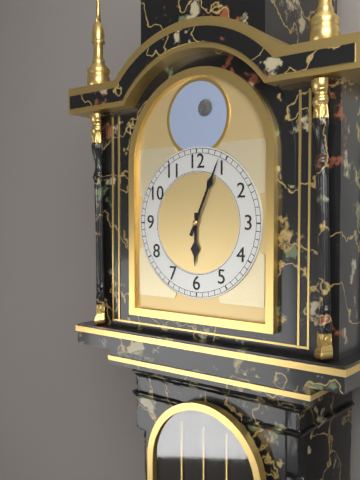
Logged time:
6h04
